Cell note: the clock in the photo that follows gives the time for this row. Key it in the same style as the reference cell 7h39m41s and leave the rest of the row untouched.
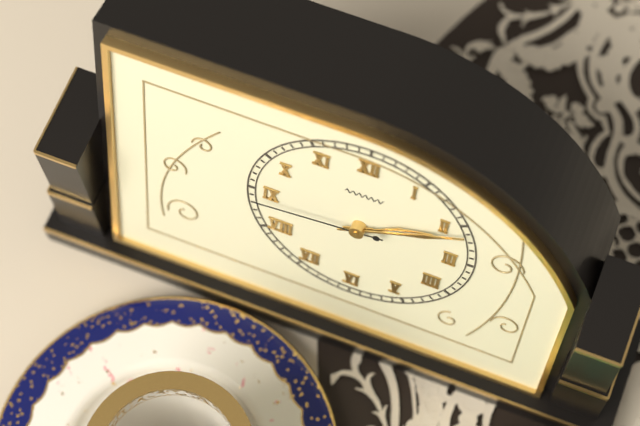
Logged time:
2h11m44s
